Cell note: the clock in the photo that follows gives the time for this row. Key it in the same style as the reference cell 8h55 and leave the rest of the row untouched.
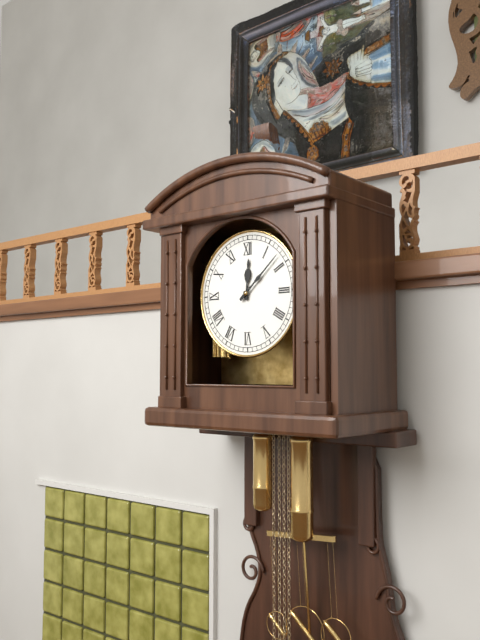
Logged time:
12h08
